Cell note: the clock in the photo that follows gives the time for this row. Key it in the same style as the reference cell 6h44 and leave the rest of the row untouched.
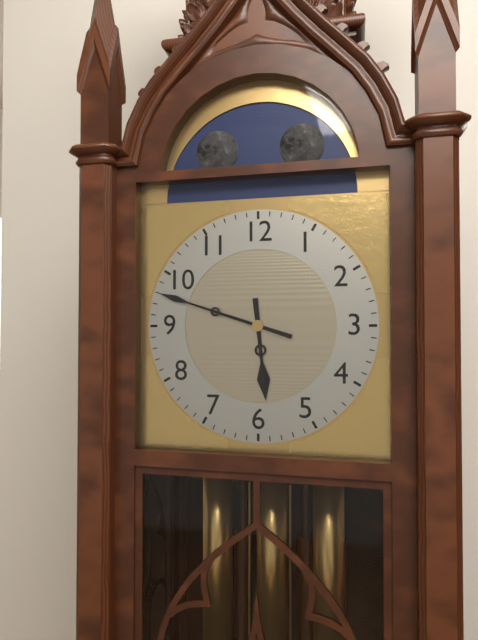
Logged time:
5h48
